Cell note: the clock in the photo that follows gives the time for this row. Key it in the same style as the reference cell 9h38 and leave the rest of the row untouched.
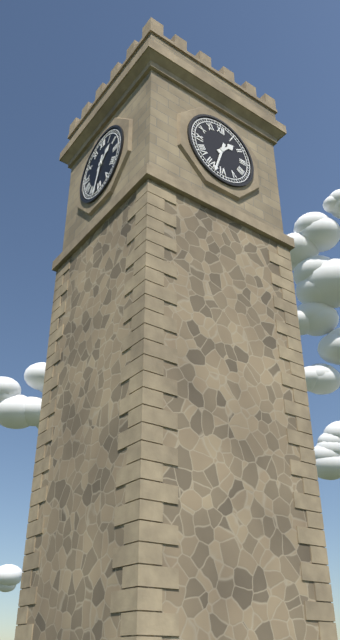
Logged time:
1h33
